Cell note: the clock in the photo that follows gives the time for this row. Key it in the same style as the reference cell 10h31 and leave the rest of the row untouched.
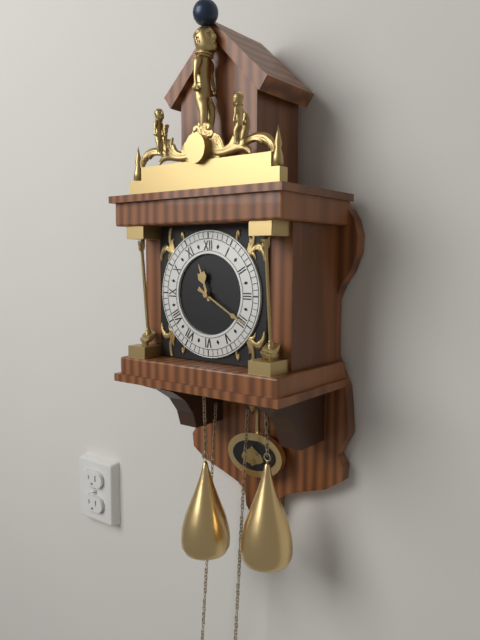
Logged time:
11h20
